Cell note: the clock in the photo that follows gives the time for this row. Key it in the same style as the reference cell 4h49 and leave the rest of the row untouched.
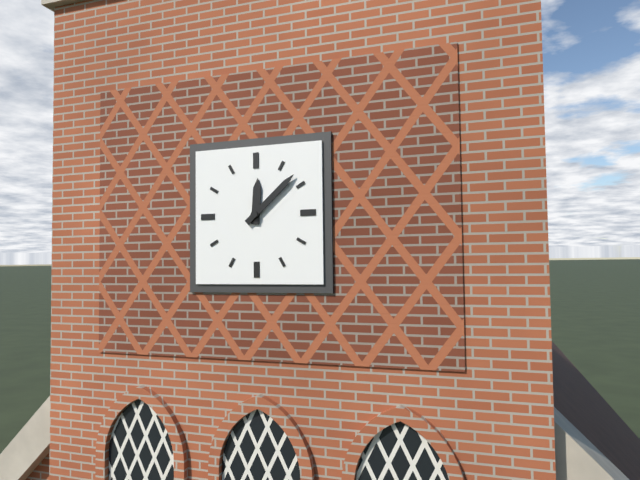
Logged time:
12h08
